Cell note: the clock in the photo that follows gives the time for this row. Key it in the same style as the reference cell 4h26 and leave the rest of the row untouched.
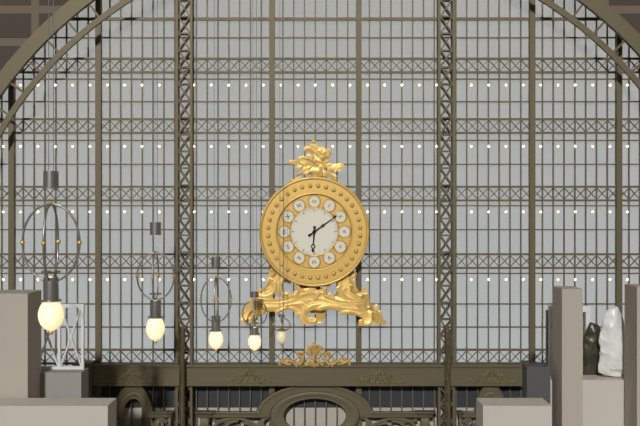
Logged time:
6h09
